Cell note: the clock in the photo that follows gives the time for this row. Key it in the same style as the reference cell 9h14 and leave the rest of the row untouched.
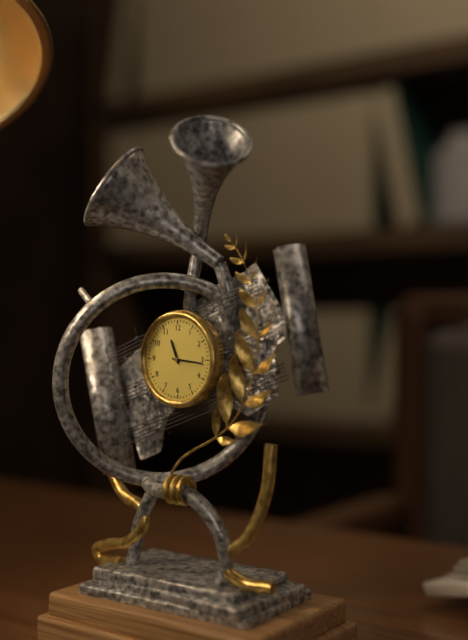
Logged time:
11h16
